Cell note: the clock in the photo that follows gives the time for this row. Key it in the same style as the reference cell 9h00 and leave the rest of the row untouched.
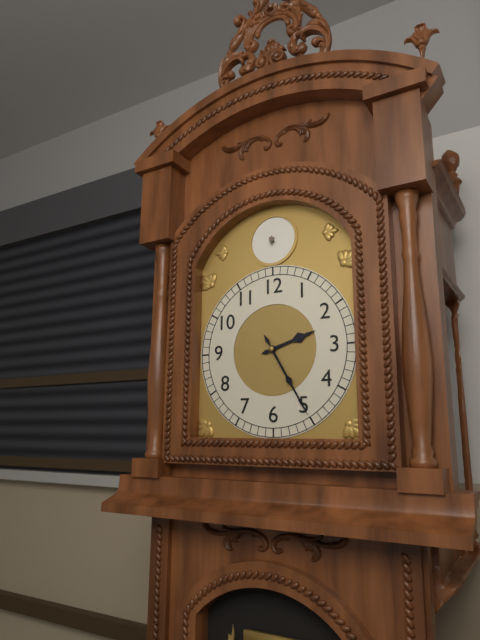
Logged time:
2h25
